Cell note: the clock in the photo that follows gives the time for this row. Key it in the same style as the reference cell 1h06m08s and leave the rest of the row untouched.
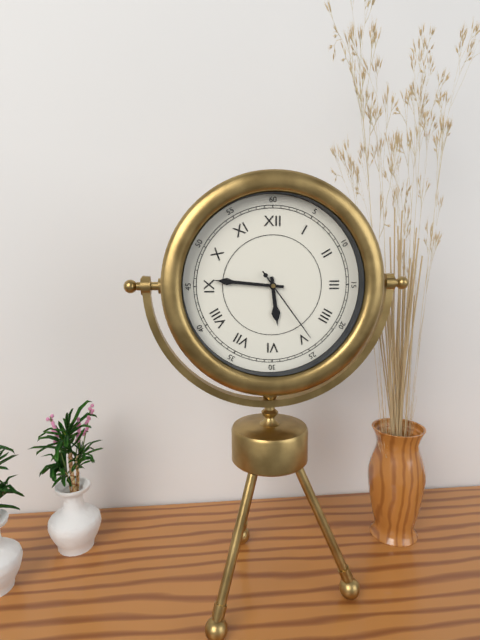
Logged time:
5h46m24s
